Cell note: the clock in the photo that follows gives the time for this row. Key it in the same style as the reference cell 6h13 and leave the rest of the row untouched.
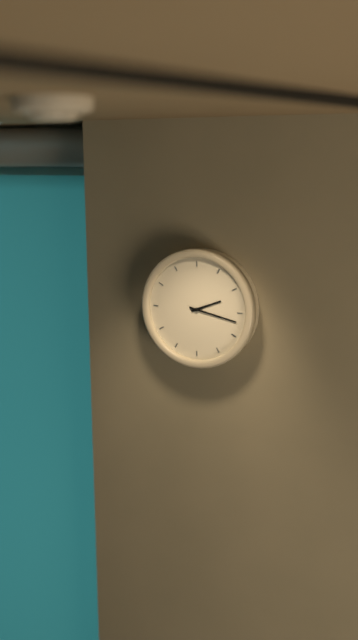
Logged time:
2h17
